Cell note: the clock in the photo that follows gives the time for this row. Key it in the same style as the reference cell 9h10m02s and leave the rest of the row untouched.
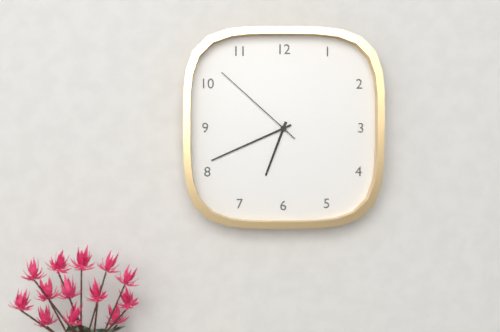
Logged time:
6h41m52s
